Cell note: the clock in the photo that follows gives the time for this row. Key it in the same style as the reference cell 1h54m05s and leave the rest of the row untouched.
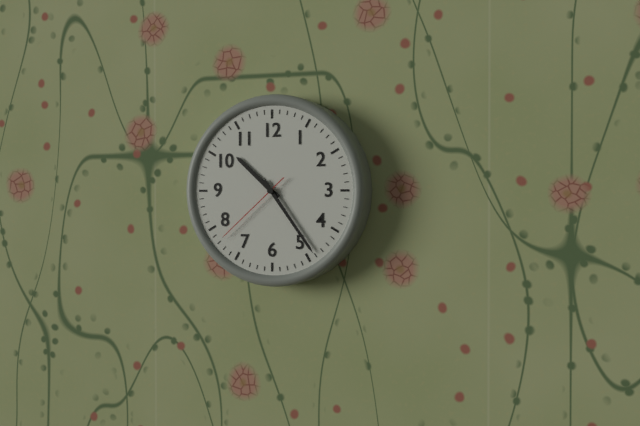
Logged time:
10h24m38s
